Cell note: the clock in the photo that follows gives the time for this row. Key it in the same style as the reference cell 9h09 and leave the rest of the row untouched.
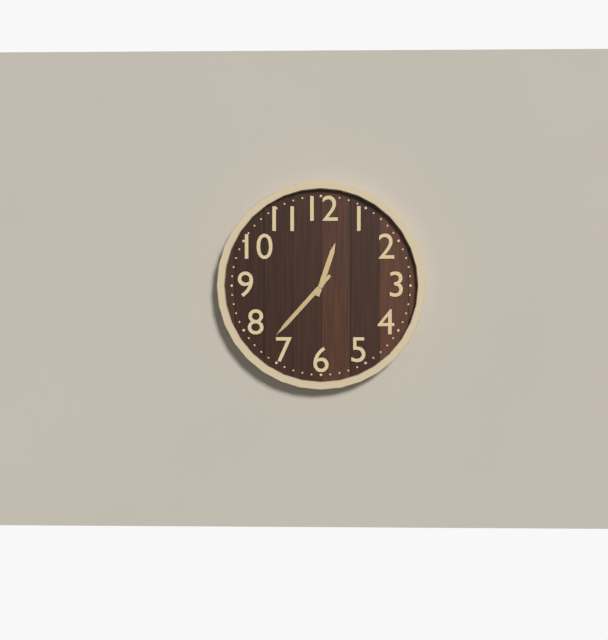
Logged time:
12h37
